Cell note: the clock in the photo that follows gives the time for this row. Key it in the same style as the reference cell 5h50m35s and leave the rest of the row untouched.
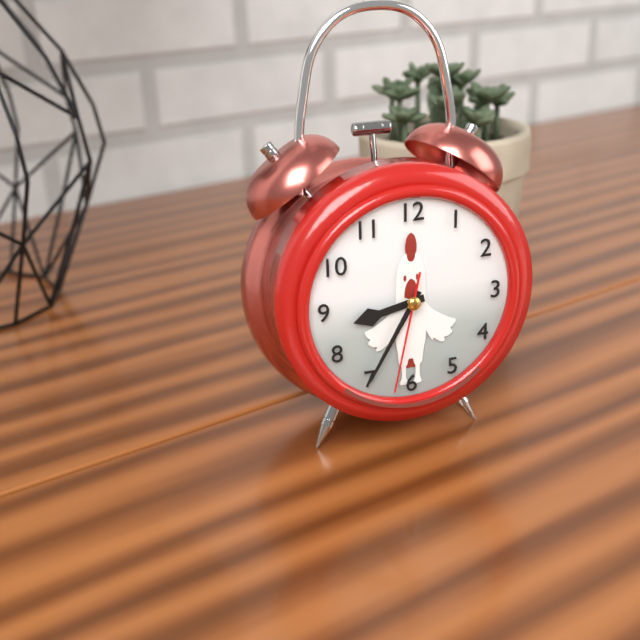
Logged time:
8h35m32s
